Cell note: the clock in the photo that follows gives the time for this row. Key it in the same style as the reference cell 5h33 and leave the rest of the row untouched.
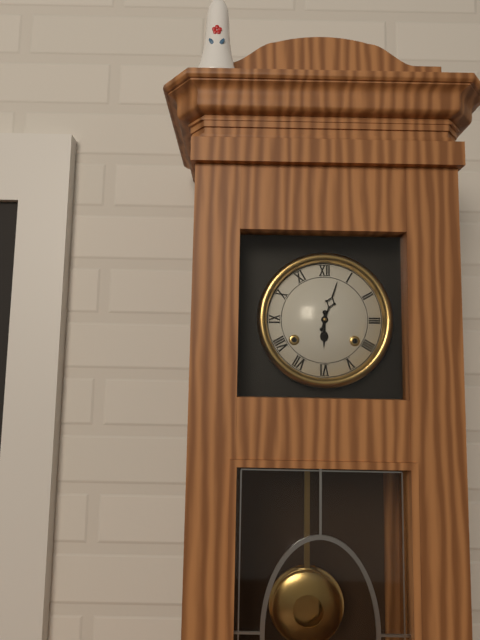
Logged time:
6h03
